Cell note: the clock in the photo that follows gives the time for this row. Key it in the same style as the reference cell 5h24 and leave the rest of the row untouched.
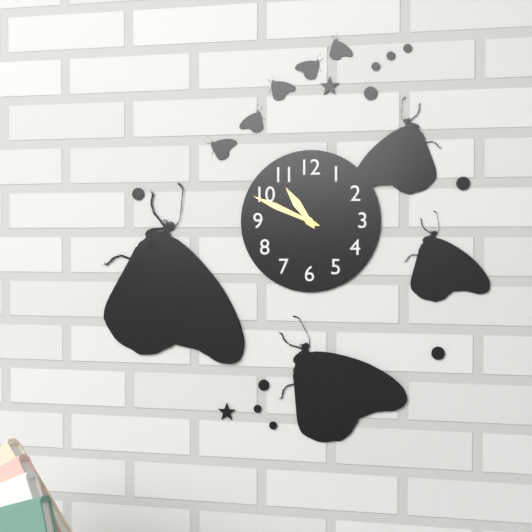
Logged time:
10h49
